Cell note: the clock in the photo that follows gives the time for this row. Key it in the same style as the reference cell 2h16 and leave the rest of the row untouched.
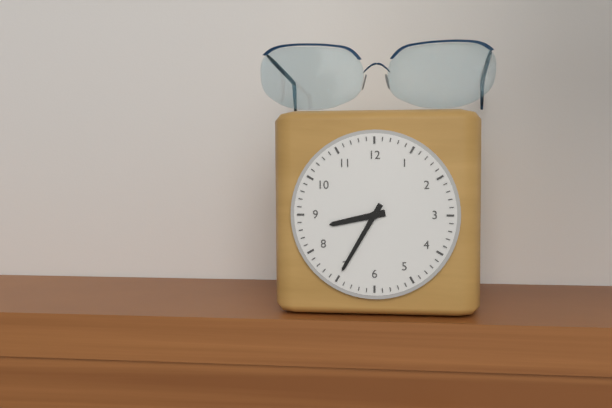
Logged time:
8h35
